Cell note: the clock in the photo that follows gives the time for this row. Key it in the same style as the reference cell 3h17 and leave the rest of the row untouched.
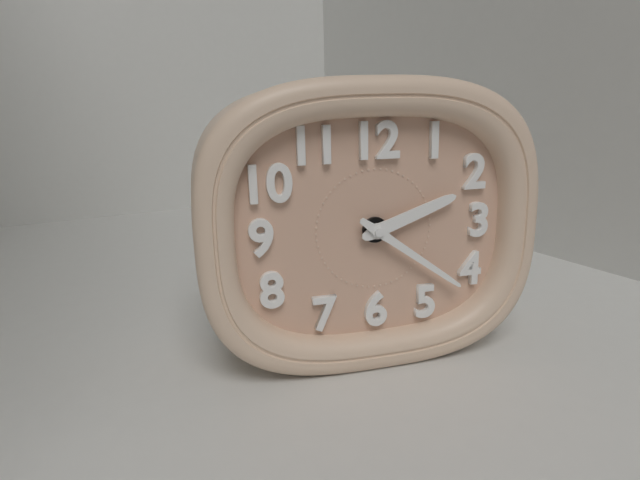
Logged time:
2h21
